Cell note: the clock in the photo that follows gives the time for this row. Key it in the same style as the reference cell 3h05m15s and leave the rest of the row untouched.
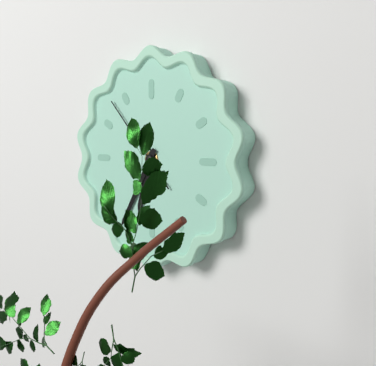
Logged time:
6h35m53s
